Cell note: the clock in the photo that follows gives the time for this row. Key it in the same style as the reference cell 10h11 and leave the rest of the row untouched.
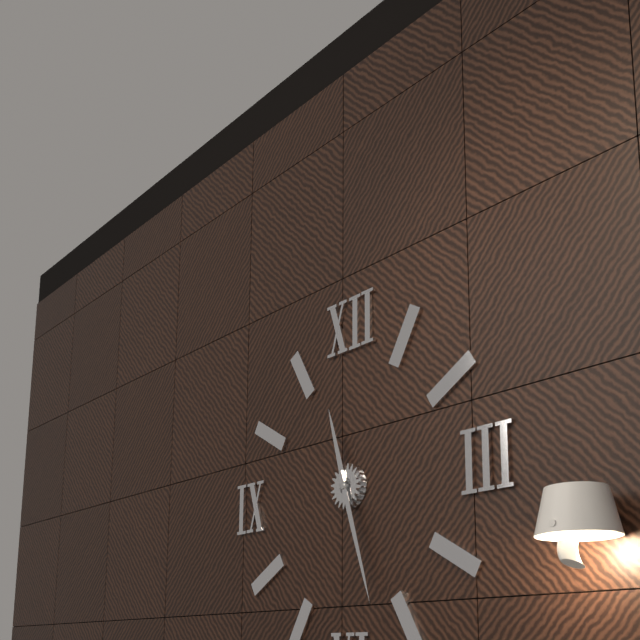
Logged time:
11h27
